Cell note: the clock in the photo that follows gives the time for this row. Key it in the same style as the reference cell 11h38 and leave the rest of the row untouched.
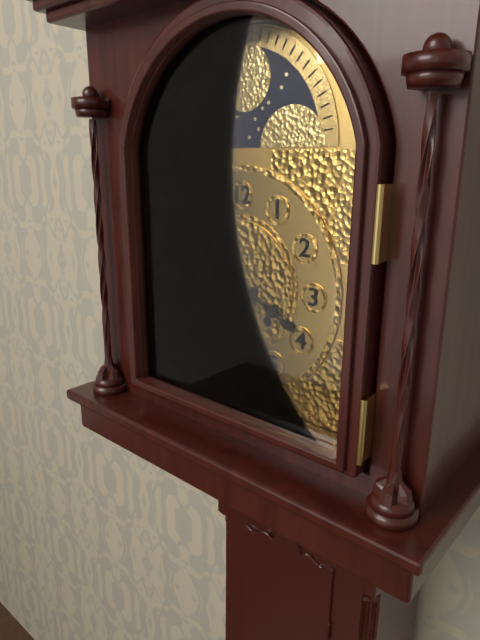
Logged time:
3h54
